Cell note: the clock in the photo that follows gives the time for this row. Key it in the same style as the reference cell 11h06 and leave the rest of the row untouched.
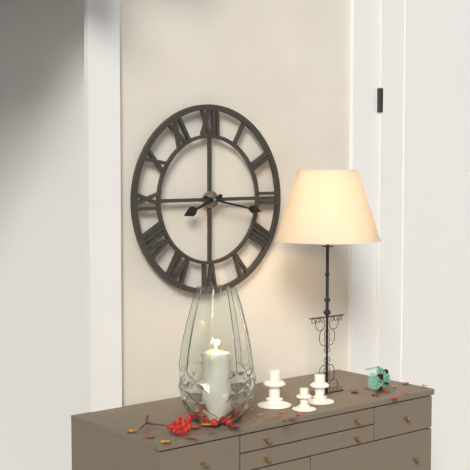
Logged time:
8h17
